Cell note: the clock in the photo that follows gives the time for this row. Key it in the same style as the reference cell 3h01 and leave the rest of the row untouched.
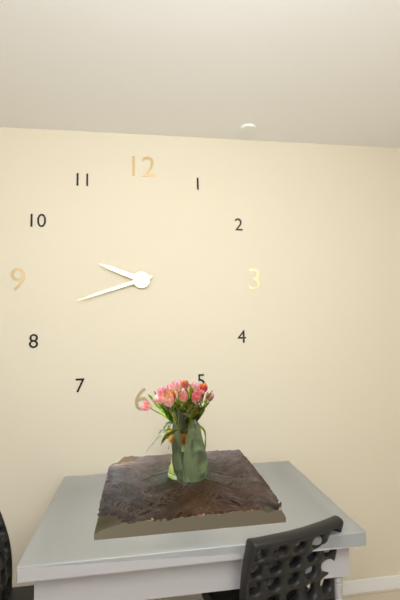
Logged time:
9h42
